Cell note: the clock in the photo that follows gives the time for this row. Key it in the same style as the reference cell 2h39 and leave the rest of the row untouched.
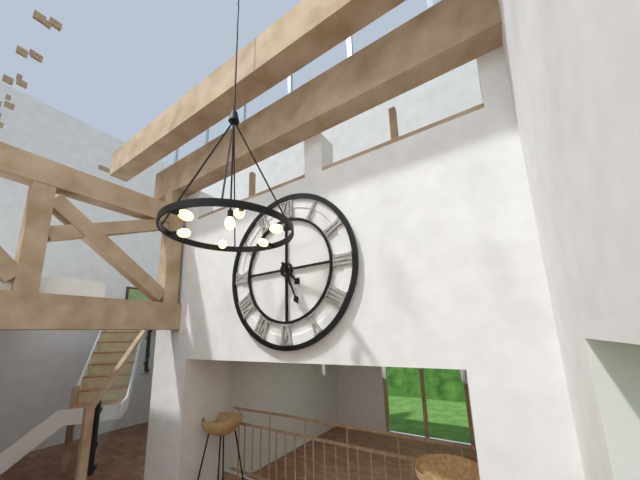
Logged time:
4h26
